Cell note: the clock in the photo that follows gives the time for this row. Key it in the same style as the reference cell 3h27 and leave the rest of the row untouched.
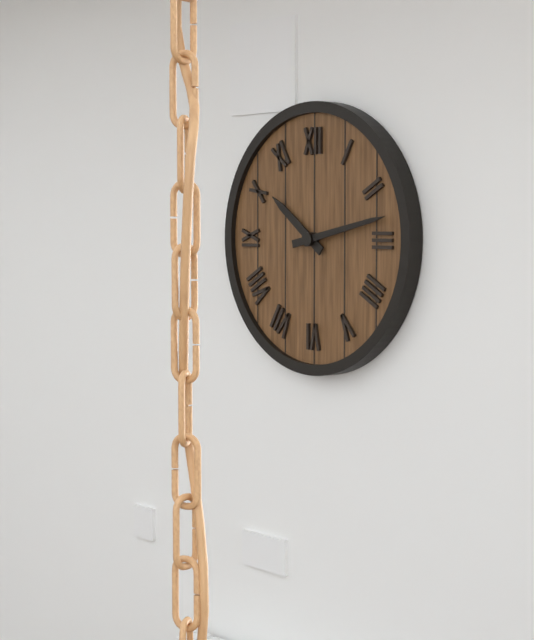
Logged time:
10h13
